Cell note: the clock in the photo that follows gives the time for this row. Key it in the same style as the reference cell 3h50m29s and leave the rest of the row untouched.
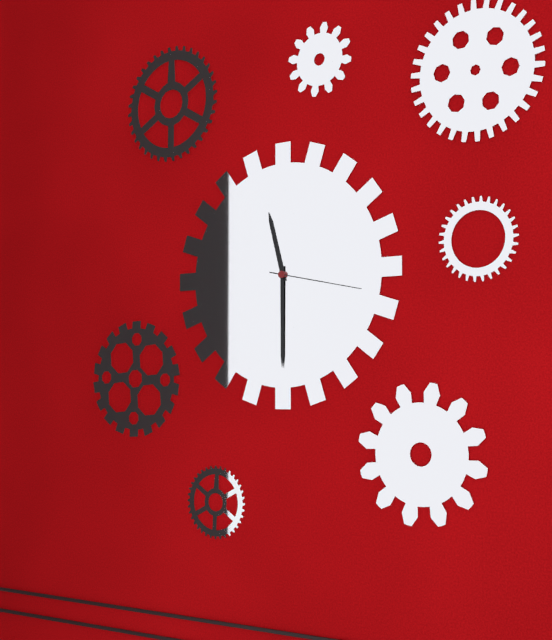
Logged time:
11h30m17s
